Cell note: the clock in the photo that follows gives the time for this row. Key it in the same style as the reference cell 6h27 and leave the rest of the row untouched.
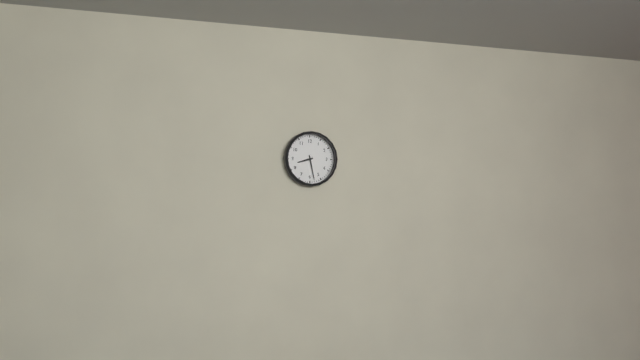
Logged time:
8h28
